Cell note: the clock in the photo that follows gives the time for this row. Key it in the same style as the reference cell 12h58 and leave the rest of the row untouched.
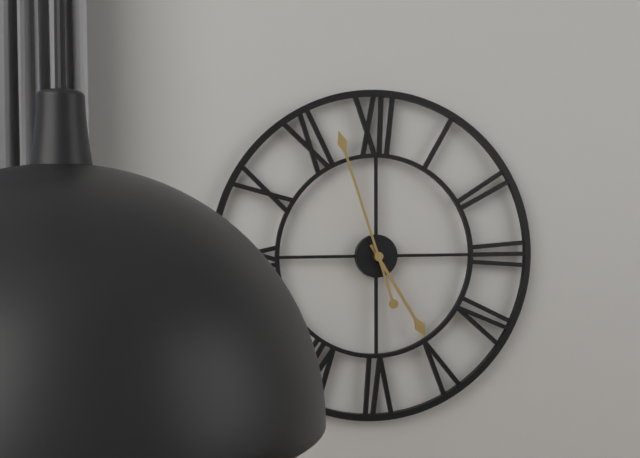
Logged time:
4h57
